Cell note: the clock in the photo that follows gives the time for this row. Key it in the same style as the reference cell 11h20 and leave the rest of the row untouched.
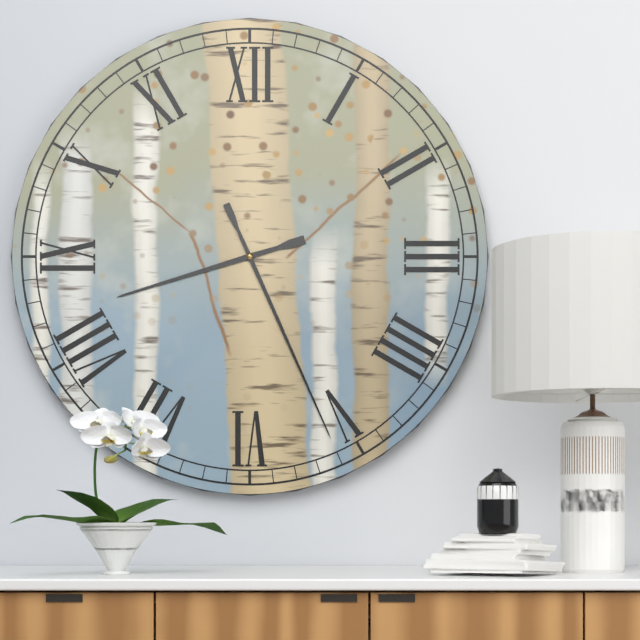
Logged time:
8h26
